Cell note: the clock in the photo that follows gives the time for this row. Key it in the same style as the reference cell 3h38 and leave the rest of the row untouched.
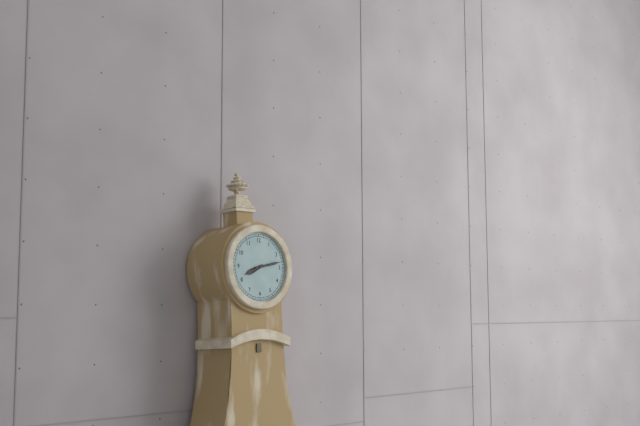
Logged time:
8h13
